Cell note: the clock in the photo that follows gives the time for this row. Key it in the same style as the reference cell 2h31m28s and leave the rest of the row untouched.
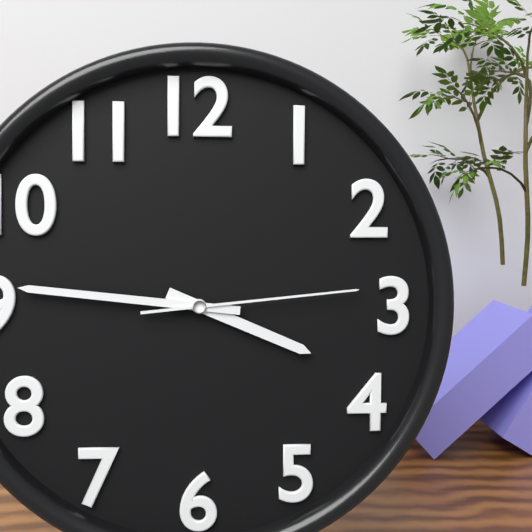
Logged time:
3h46m14s
